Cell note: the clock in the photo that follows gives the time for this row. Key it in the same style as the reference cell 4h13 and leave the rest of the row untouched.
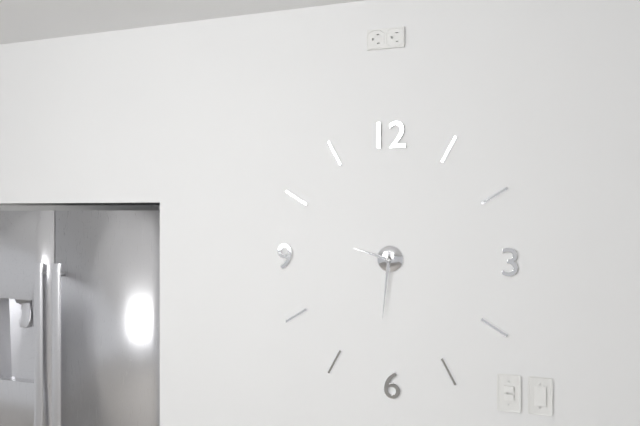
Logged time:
9h31
